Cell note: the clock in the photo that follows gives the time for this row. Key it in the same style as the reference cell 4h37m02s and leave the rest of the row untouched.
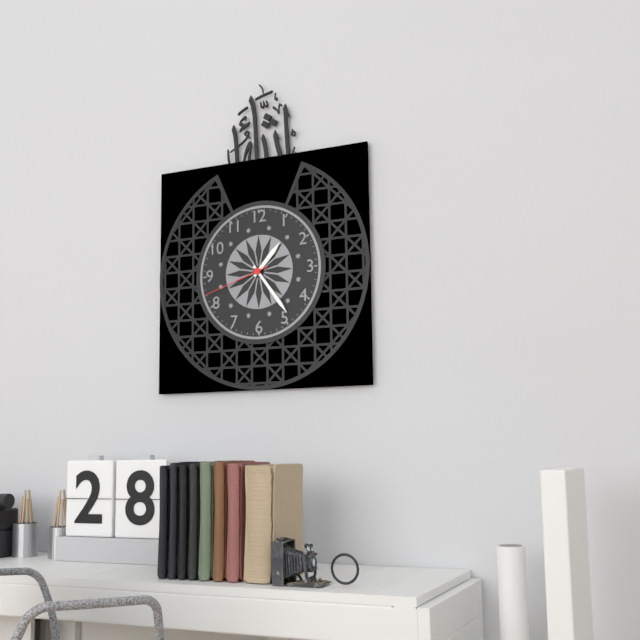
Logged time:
1h24m42s
